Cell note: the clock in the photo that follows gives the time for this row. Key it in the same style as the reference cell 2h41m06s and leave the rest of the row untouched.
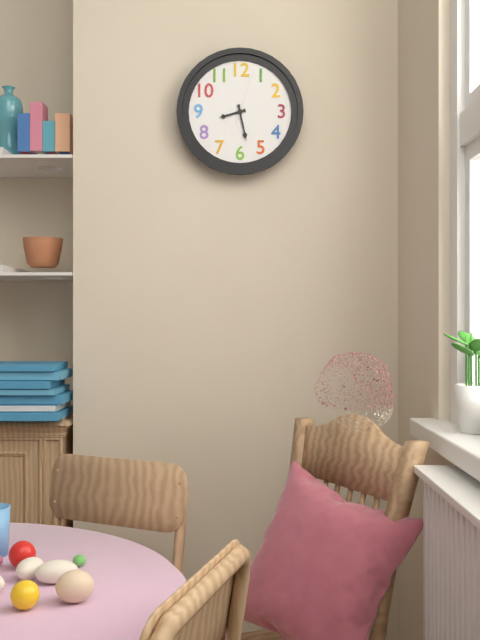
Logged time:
8h28m03s
